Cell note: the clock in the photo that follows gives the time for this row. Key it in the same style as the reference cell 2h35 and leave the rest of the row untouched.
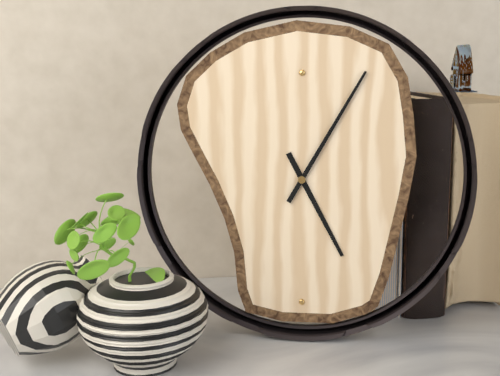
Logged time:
5h05
